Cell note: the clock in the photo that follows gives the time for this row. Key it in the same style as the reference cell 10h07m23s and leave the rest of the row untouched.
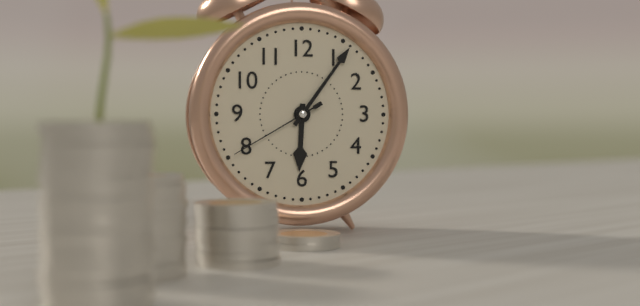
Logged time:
6h06m40s
